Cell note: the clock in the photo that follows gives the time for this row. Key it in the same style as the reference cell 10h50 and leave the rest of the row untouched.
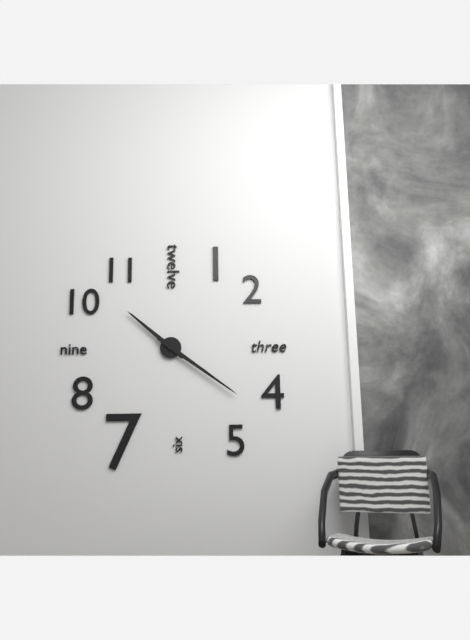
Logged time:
10h21
